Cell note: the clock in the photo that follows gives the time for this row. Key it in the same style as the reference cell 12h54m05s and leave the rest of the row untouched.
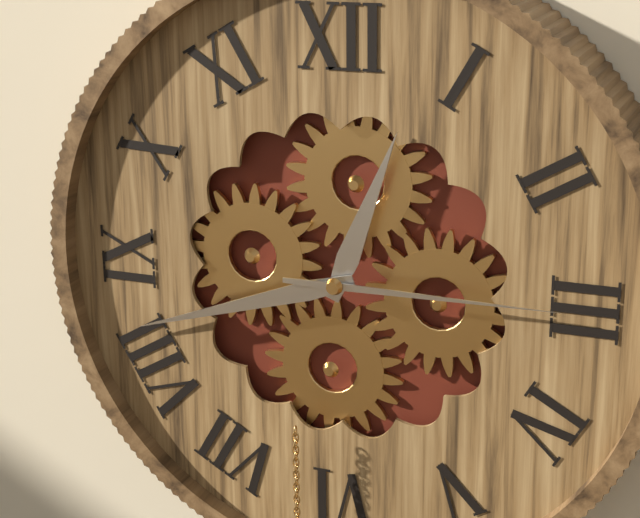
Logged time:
12h42m15s
